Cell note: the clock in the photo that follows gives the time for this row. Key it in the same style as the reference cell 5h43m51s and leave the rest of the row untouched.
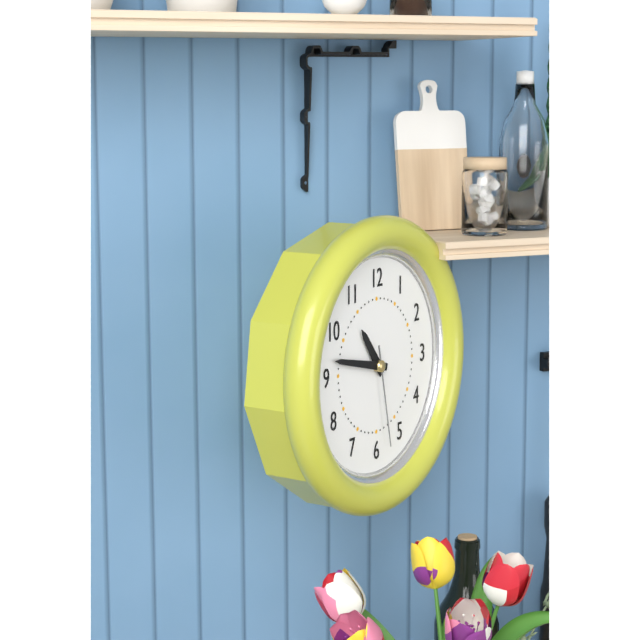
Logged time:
10h47m28s
